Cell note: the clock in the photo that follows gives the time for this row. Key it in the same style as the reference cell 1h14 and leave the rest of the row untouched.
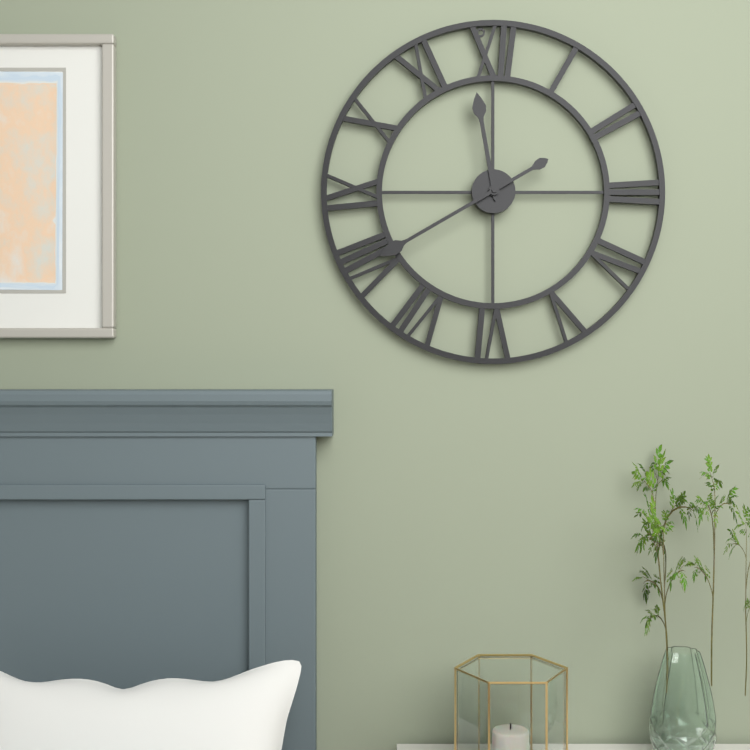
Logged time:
11h40
